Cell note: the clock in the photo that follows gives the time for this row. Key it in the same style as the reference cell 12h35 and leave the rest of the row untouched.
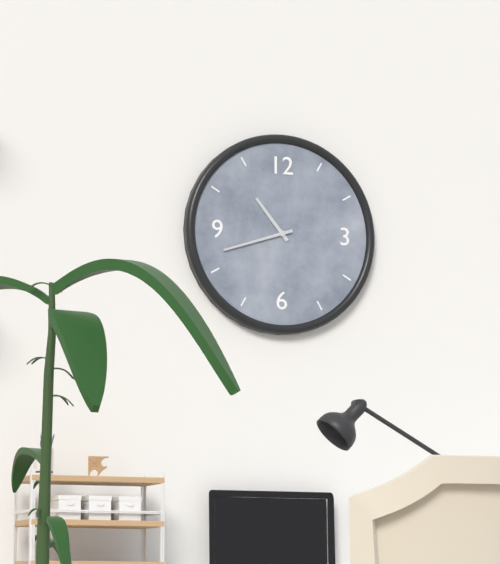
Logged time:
10h42
